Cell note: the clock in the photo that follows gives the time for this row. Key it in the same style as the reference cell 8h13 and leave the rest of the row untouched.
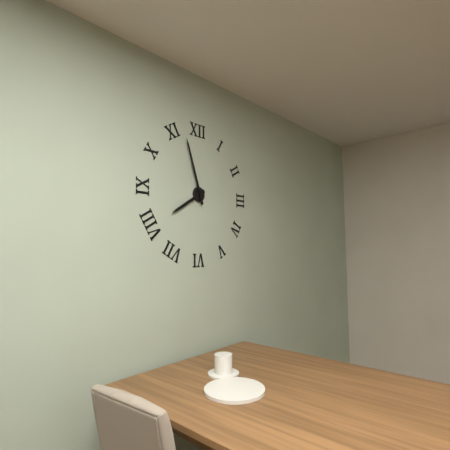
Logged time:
7h57
